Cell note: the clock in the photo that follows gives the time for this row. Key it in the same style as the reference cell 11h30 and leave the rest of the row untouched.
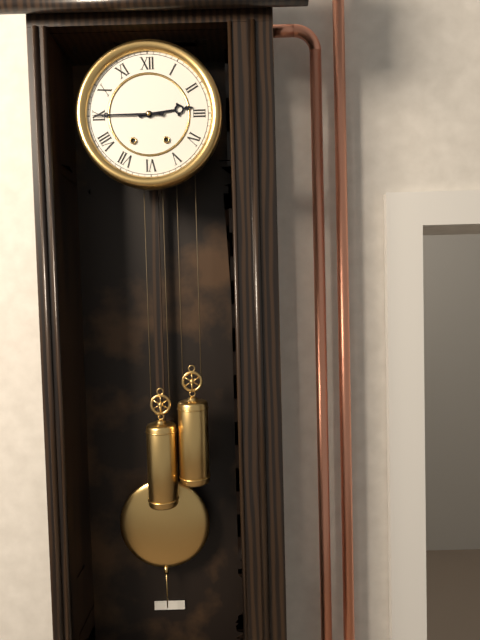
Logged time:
2h45
